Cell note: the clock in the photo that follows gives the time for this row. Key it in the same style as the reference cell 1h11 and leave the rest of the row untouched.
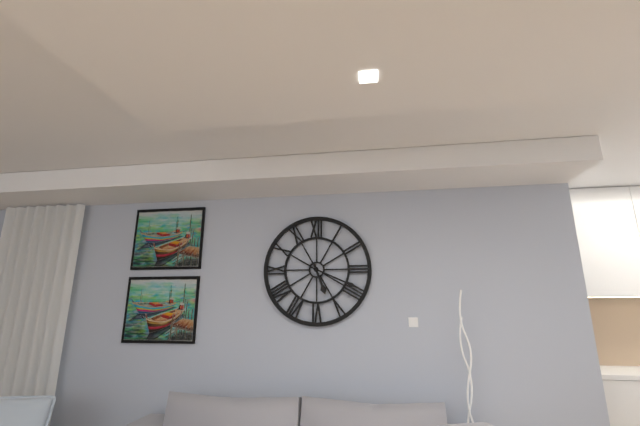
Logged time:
5h19
